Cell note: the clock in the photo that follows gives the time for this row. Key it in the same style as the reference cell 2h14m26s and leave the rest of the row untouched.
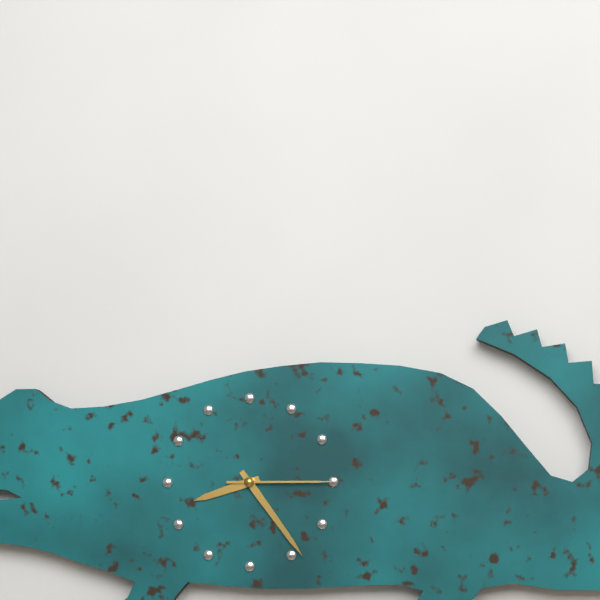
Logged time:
8h24m15s
